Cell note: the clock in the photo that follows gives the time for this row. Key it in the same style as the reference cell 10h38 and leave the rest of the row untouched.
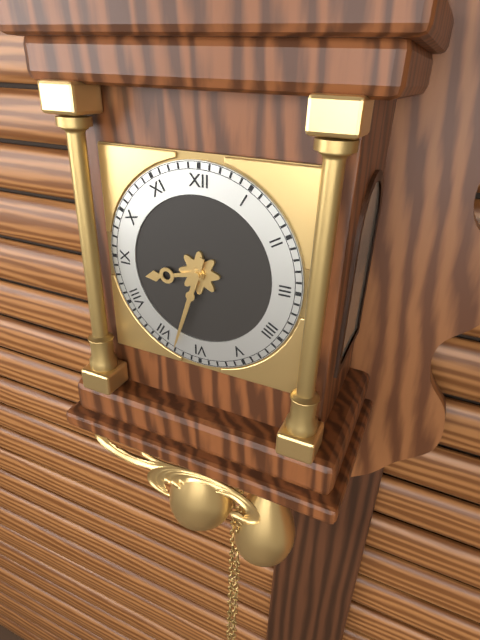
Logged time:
8h33
